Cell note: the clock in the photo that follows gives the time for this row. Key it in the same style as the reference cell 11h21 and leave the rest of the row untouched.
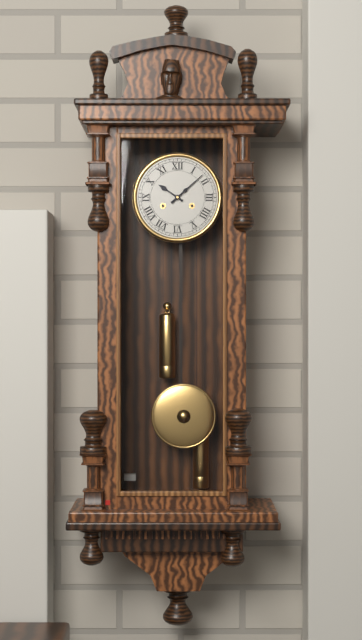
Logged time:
10h08
